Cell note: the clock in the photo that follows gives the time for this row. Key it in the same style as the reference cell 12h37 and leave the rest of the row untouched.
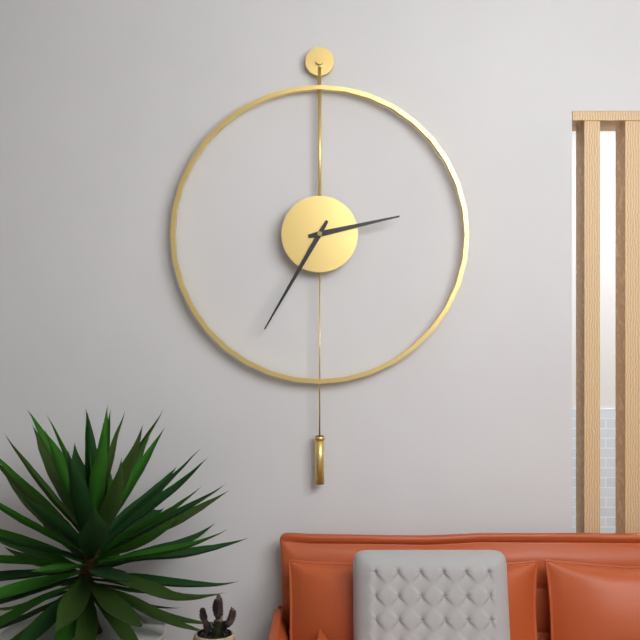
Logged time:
2h35
